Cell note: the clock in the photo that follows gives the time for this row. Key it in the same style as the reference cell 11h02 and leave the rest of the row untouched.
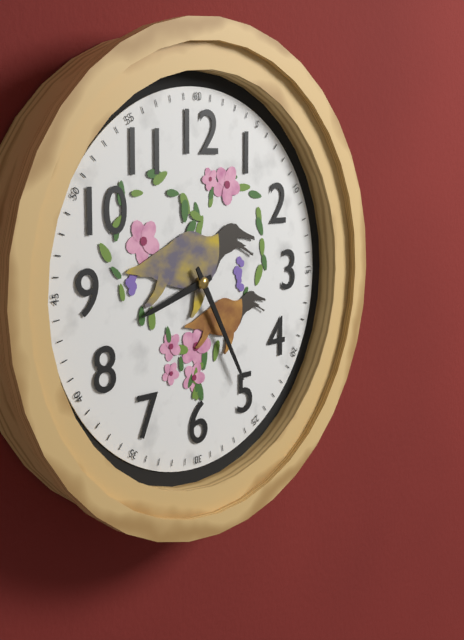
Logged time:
8h25
